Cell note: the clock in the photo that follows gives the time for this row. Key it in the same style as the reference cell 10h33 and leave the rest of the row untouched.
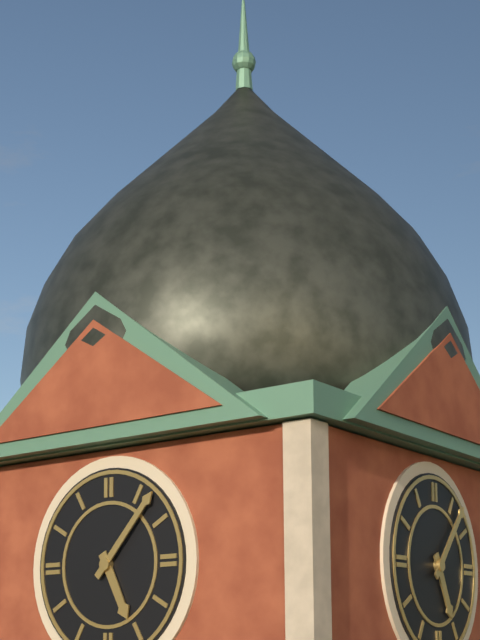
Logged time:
5h07
